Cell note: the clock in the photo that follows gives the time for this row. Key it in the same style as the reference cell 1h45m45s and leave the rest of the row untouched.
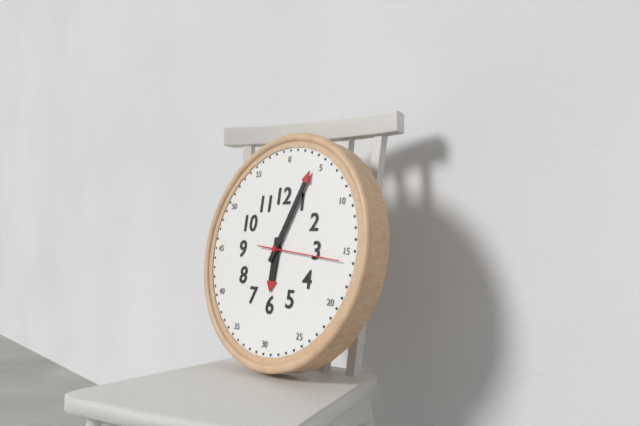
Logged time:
6h04m16s
